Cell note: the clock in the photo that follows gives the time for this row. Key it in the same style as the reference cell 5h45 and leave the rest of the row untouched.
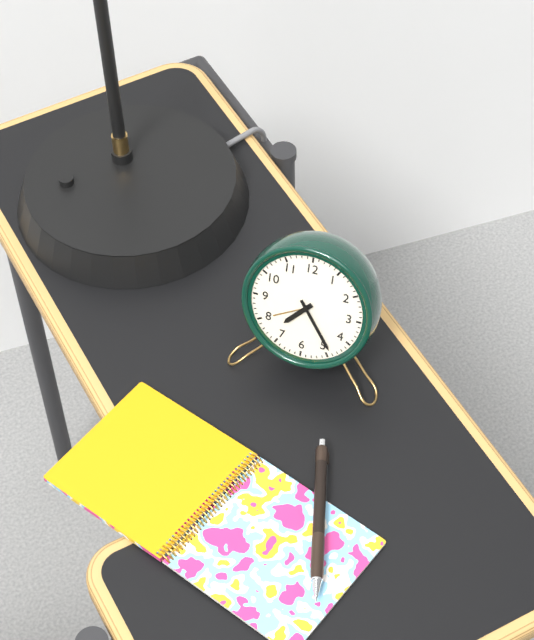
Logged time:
7h24
